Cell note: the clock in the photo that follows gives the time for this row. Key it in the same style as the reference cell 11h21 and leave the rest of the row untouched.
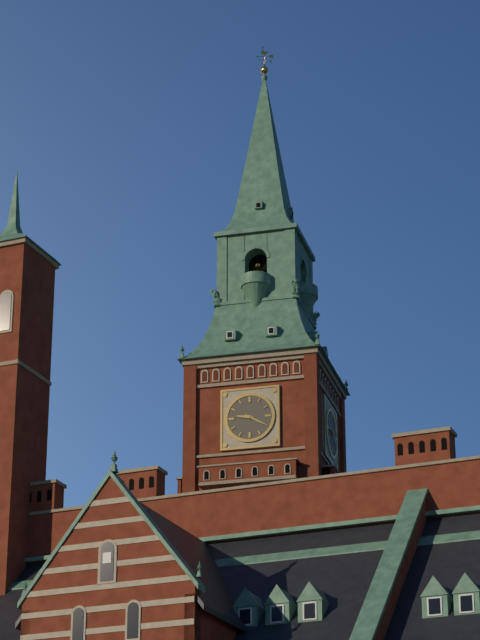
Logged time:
9h20
